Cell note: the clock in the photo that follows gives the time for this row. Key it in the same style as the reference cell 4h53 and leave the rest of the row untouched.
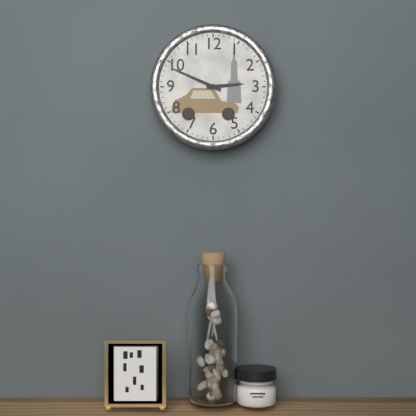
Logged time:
2h49
